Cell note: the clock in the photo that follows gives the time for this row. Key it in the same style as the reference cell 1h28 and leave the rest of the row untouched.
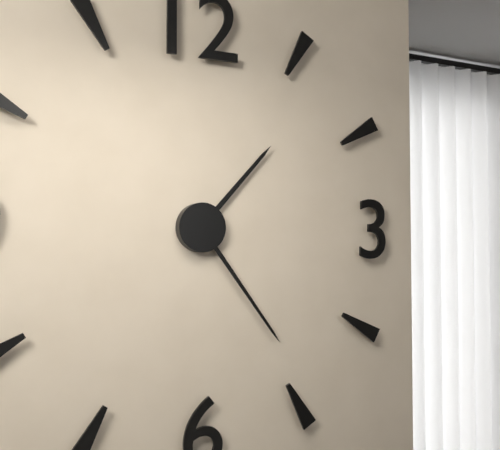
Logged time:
1h24
